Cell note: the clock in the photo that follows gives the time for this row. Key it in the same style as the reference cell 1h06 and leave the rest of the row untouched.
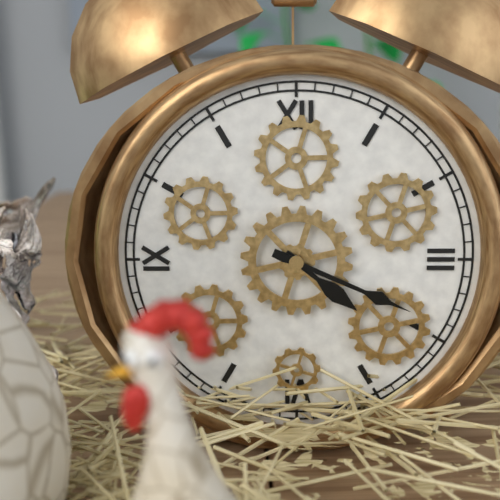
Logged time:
4h19
